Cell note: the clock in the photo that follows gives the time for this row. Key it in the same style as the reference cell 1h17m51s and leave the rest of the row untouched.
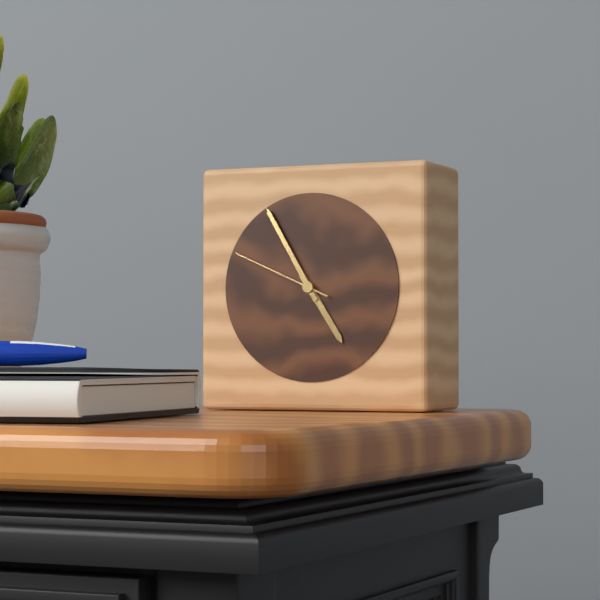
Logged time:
4h55m49s
